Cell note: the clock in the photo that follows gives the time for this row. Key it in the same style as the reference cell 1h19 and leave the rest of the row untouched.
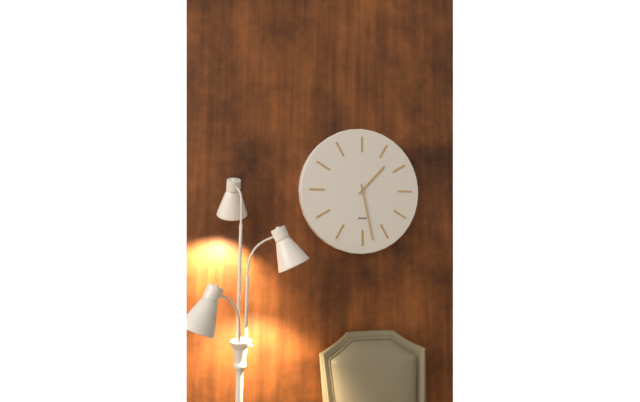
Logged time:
1h28
